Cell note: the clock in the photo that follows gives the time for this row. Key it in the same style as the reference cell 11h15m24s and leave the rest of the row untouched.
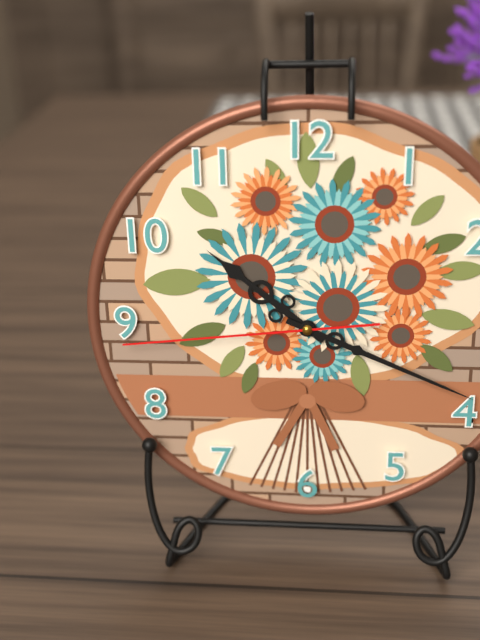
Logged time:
10h19m44s
